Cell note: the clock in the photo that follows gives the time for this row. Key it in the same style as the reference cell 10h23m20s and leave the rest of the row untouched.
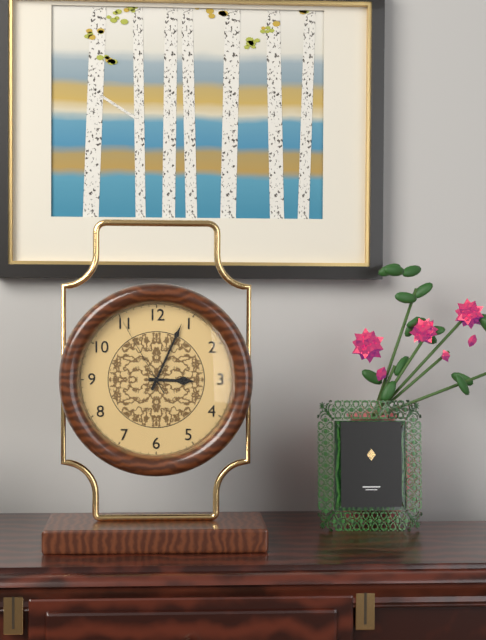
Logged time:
3h04m55s
